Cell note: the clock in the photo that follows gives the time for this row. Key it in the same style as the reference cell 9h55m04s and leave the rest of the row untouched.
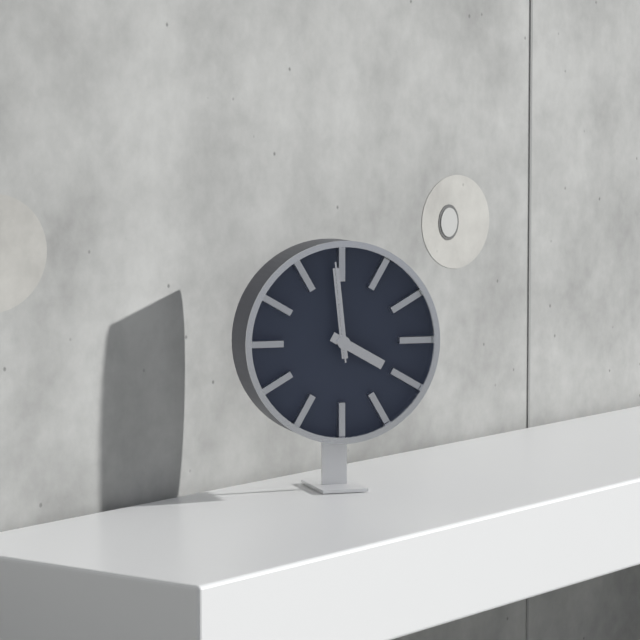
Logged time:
3h59m59s
